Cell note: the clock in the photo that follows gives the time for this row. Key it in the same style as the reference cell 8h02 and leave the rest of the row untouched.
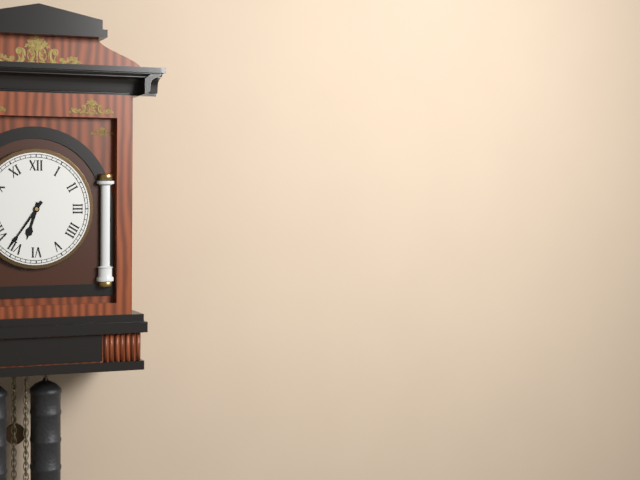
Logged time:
6h36
